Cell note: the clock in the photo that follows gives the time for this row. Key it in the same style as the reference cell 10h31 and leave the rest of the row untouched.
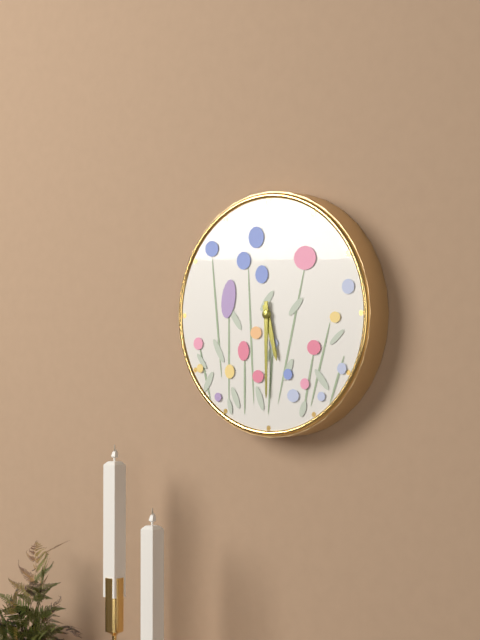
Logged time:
5h30
